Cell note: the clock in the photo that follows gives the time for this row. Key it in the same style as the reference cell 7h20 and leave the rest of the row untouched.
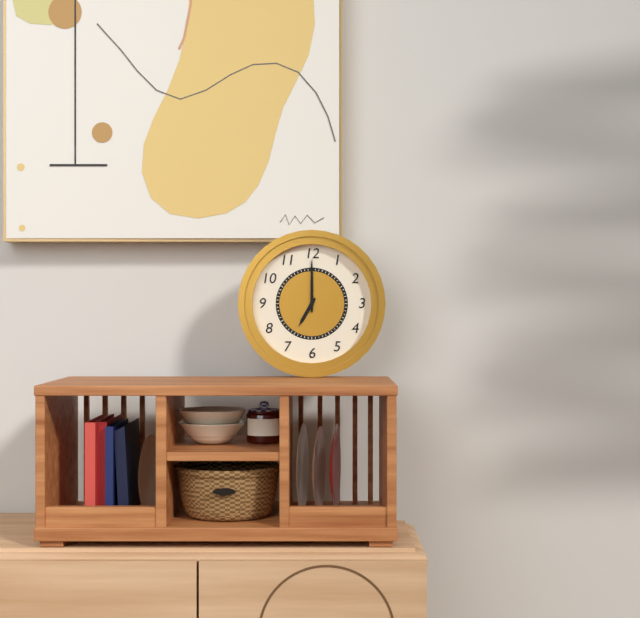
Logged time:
7h00
